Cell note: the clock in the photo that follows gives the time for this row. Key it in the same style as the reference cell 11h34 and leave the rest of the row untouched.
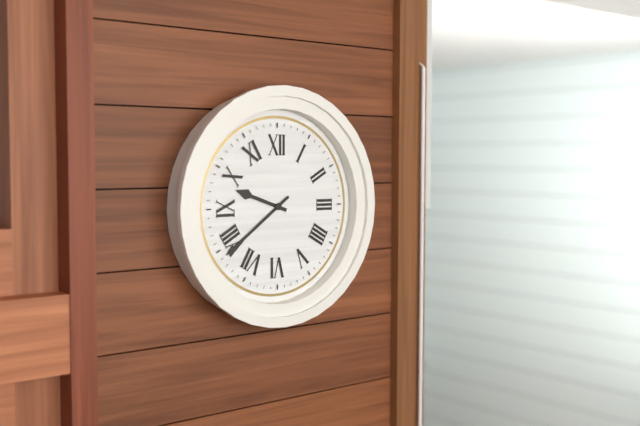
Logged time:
9h39
